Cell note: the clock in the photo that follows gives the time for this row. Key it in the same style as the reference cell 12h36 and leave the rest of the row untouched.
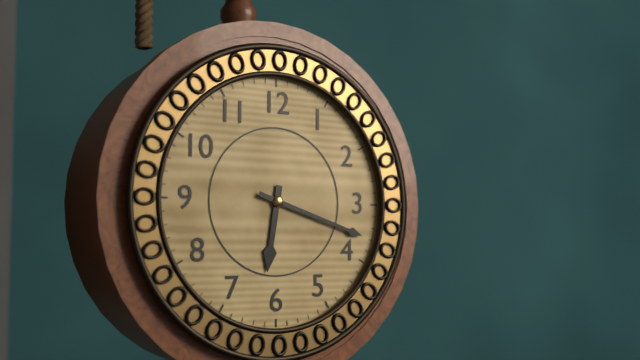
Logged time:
6h18
